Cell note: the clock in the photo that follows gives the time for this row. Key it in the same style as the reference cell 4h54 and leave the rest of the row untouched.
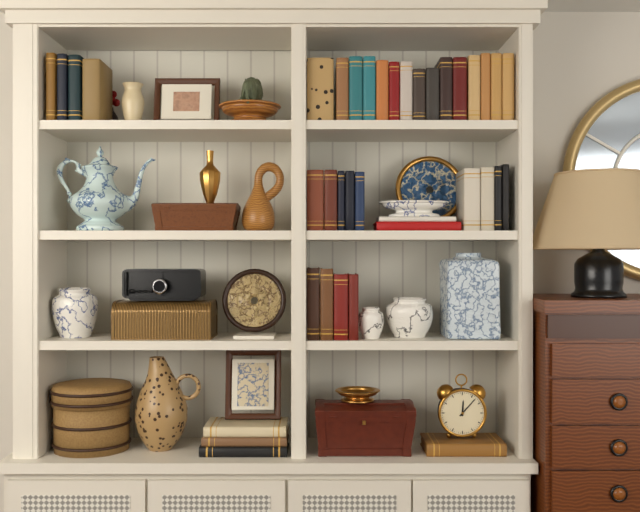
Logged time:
12h07
